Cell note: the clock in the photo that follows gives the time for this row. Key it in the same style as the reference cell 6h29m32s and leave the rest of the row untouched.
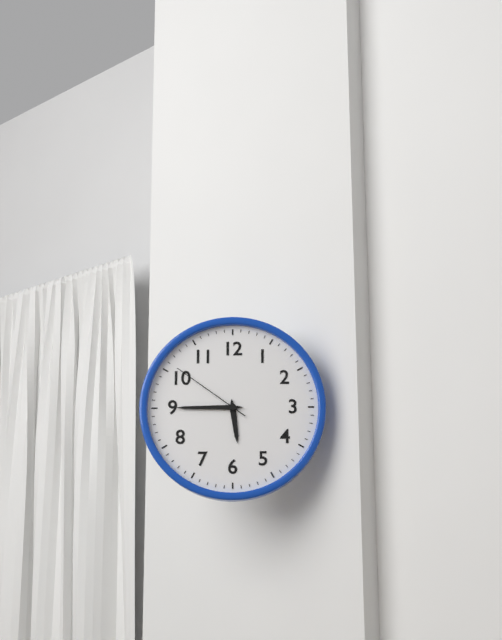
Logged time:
5h45m51s
